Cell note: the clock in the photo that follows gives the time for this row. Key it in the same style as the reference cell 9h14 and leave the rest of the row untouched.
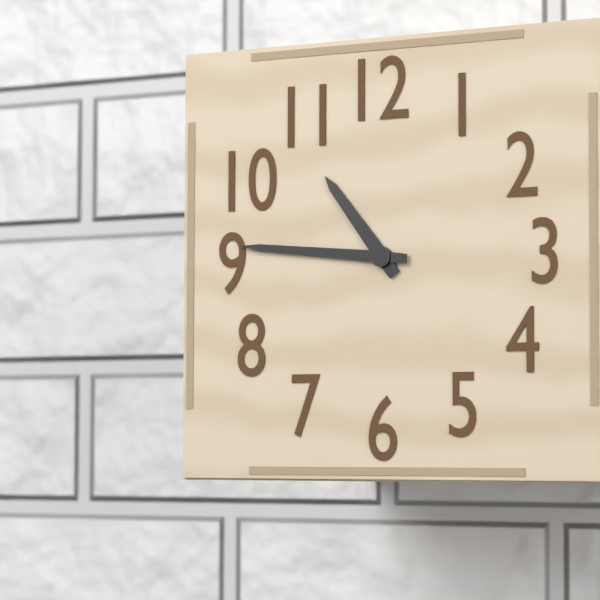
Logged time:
10h46
